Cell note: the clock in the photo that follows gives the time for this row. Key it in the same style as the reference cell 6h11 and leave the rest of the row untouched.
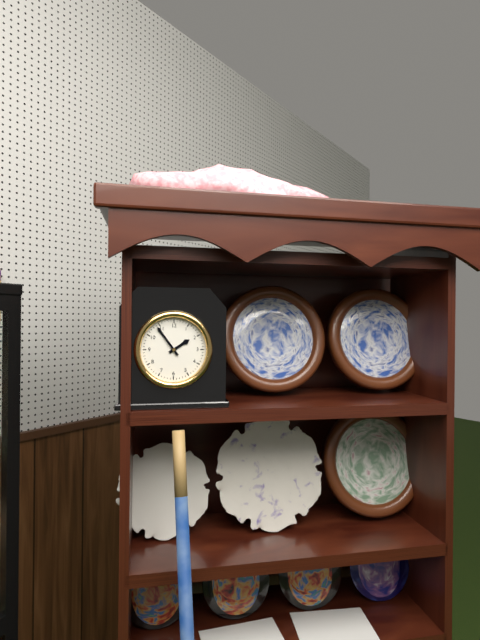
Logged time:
1h54
